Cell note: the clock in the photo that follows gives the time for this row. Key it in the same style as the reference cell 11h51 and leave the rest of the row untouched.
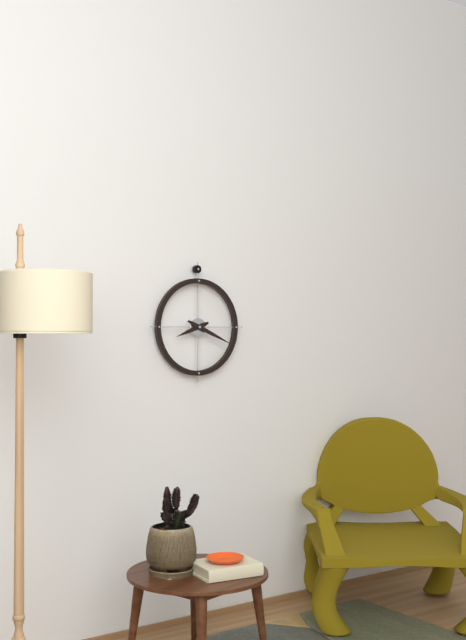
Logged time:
8h19
